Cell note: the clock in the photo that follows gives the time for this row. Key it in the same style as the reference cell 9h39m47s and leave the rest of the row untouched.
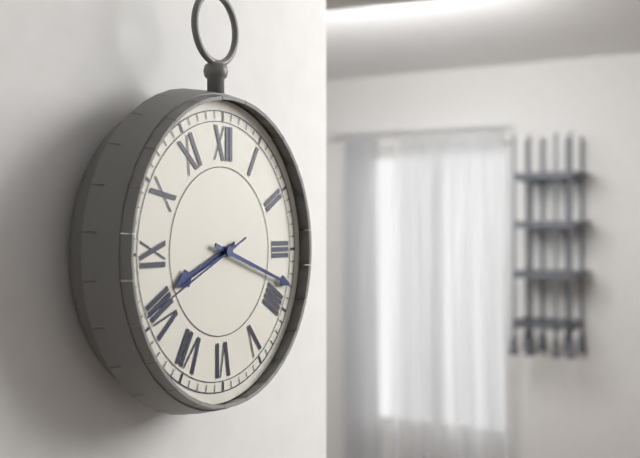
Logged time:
8h18m41s
